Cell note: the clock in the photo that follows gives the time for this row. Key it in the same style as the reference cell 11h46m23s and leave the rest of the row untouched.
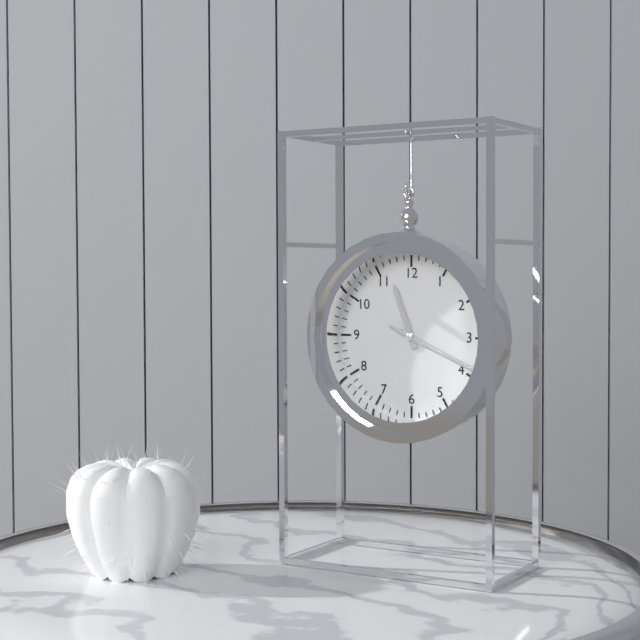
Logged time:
11h19m19s
